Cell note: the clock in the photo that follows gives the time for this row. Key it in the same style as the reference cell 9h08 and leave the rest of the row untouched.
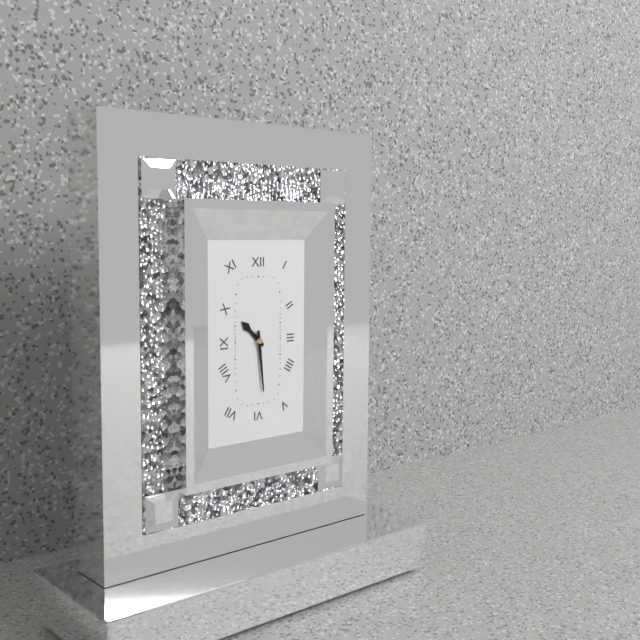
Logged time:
10h29
